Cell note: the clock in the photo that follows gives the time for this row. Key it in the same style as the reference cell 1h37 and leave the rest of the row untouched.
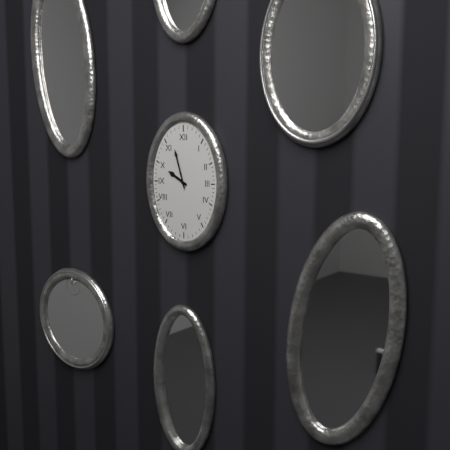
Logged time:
9h57
